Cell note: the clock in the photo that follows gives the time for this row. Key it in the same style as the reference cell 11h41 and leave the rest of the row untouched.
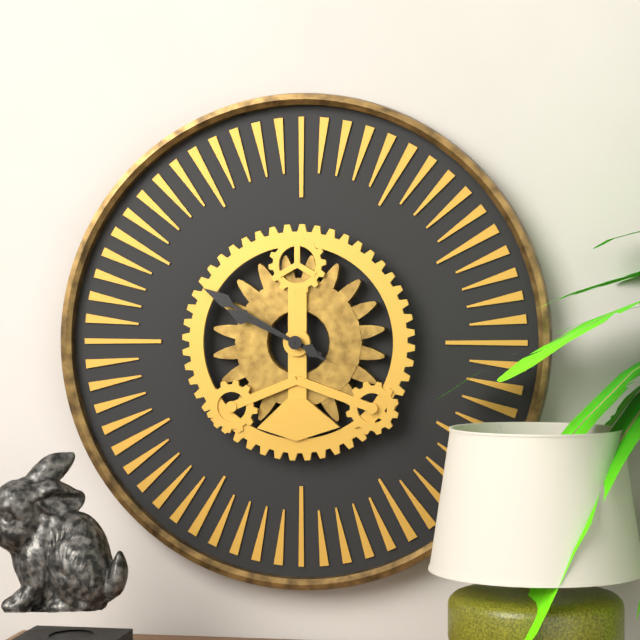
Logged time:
9h50
